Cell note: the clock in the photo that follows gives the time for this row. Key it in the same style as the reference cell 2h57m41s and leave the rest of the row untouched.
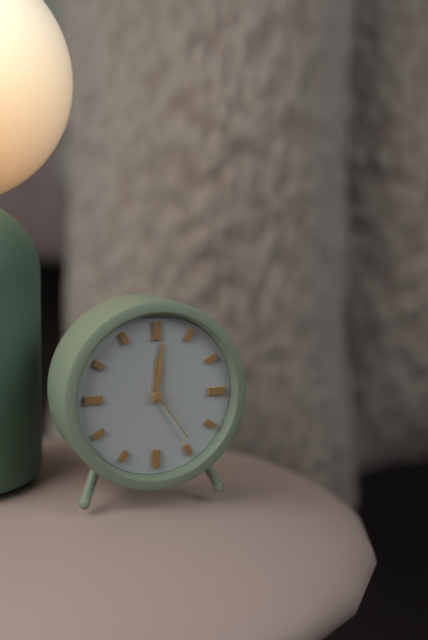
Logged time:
12h01m24s
